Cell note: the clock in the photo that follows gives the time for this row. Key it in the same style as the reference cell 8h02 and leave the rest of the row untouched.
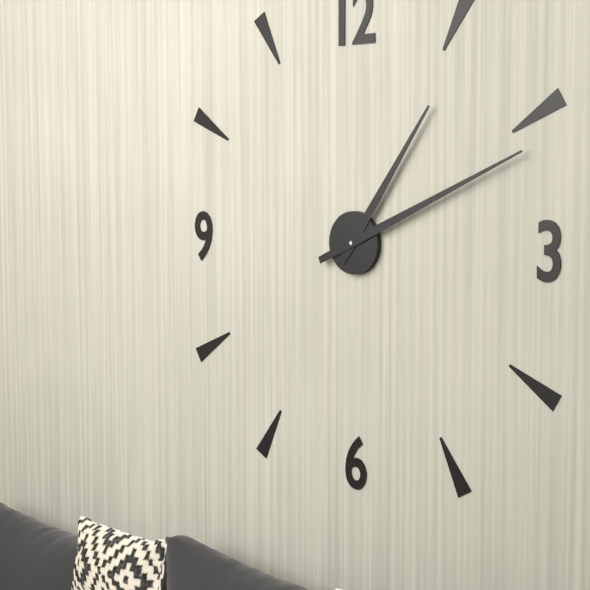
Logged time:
1h11
